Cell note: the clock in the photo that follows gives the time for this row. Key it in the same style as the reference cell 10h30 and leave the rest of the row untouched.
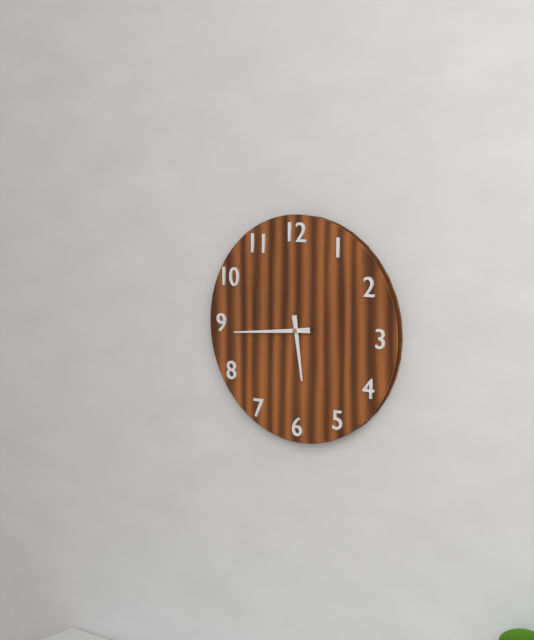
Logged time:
5h44
